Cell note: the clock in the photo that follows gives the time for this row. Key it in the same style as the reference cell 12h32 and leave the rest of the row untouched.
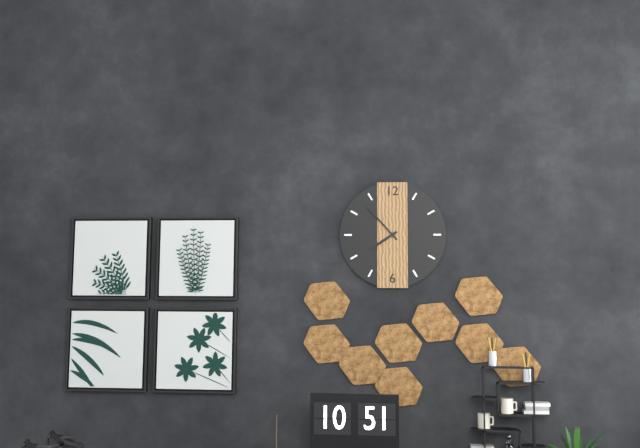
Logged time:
7h53
